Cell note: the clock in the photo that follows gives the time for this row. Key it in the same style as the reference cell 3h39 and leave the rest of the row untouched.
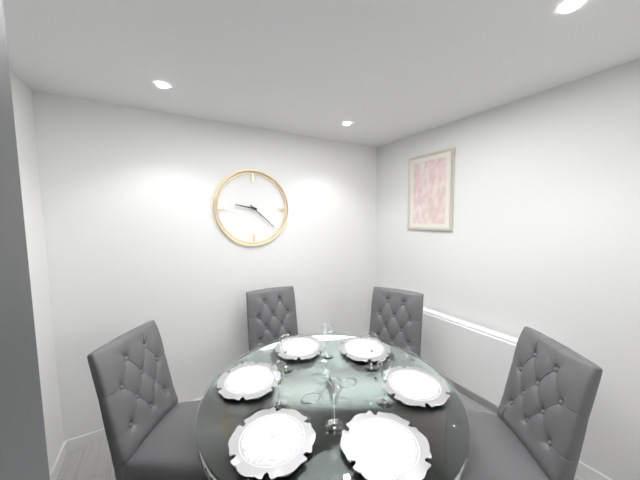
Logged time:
9h22
